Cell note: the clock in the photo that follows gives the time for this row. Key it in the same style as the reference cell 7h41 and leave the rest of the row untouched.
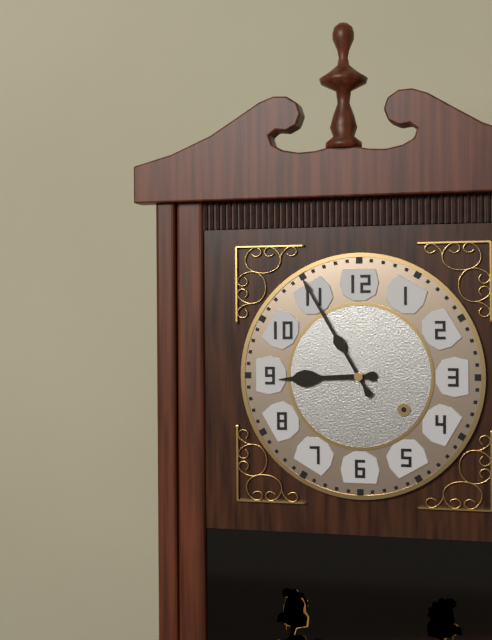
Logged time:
8h55
